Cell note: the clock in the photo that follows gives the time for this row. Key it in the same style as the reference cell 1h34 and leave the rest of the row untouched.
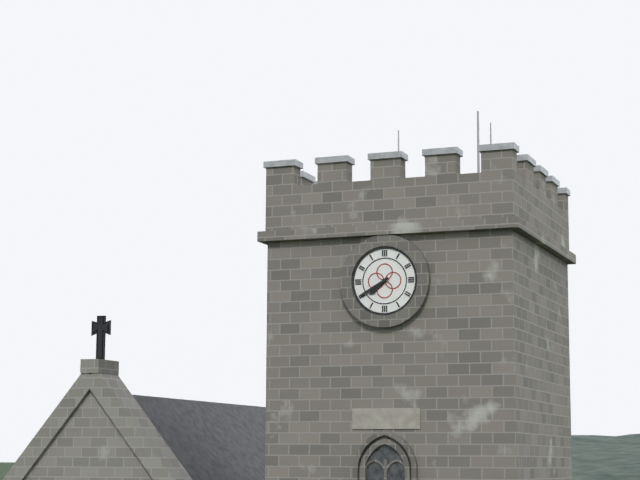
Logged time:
7h40
